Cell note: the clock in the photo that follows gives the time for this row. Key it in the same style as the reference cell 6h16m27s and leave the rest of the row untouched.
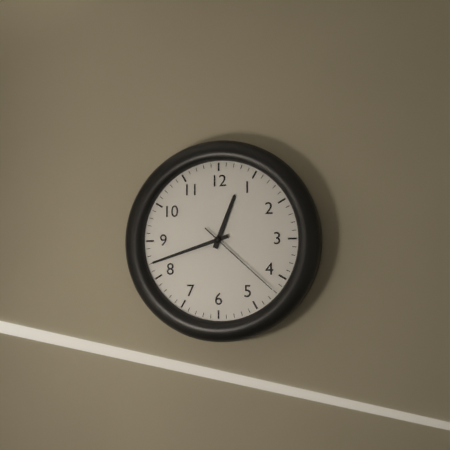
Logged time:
12h42m22s
